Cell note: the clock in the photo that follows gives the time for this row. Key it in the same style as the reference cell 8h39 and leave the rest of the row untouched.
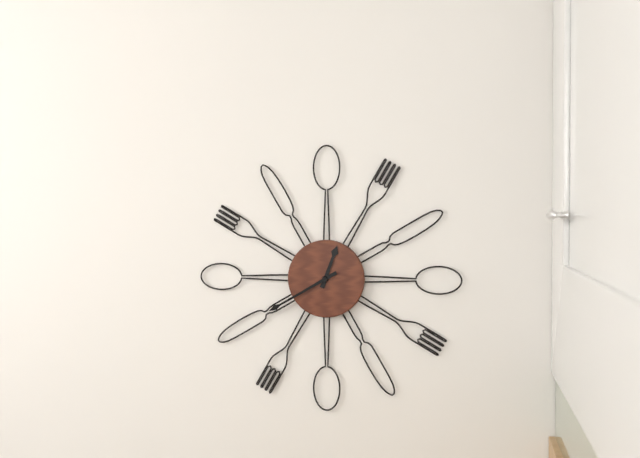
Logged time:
12h40
